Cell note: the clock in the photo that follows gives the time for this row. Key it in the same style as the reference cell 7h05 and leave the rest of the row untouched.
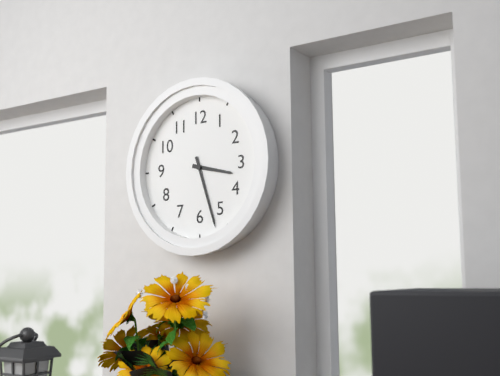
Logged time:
3h27
